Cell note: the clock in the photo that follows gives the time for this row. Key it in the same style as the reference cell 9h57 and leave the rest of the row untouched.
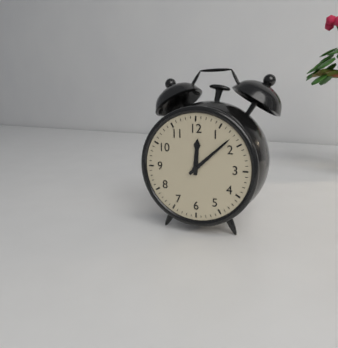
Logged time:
12h08
